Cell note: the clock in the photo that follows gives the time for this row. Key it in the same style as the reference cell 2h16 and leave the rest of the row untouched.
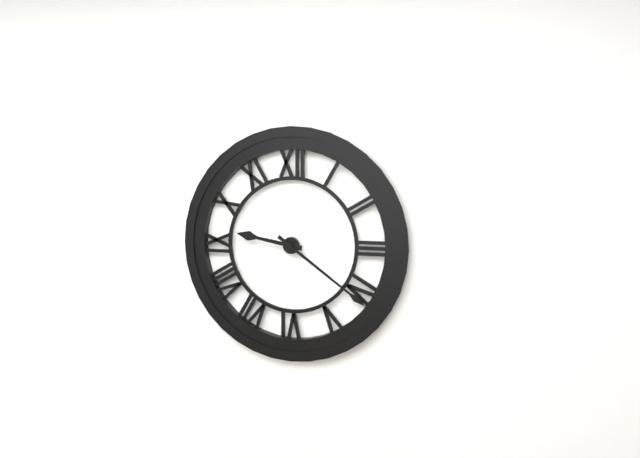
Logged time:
9h21
